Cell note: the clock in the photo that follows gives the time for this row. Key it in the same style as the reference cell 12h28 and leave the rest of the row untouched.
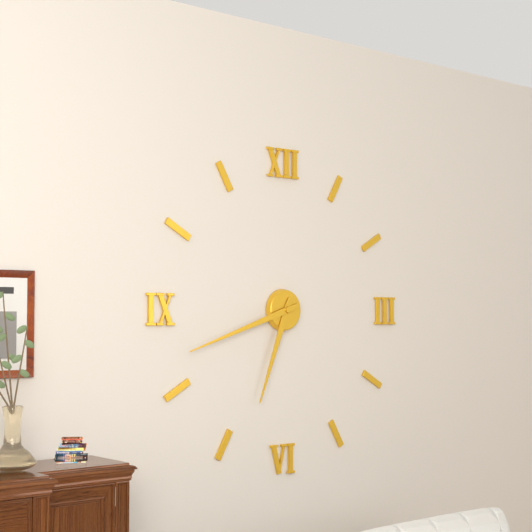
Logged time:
6h42
